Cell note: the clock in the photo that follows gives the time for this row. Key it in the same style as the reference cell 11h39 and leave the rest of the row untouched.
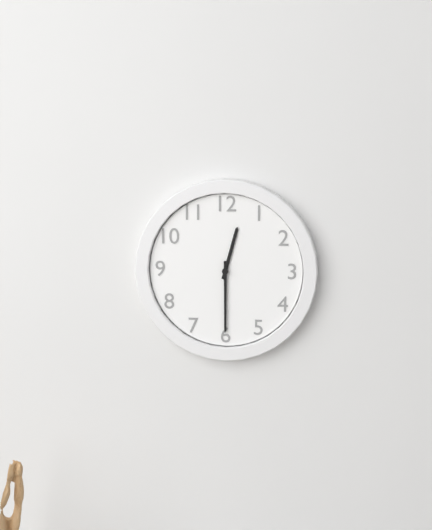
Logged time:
12h30
